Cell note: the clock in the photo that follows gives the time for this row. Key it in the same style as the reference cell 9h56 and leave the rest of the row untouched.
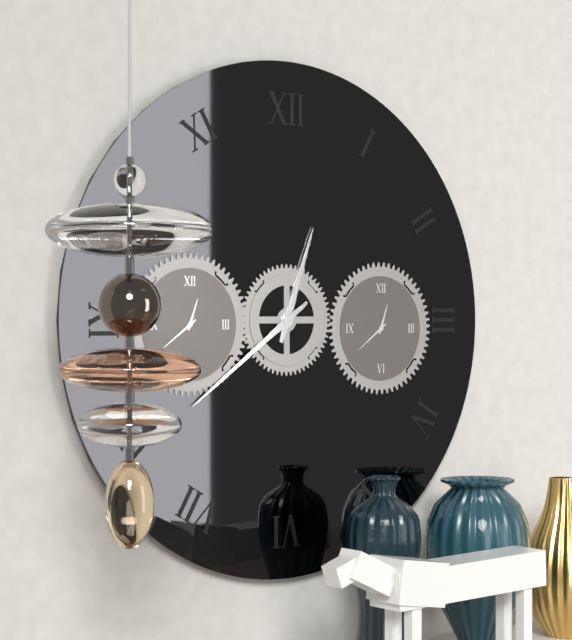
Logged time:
12h39
